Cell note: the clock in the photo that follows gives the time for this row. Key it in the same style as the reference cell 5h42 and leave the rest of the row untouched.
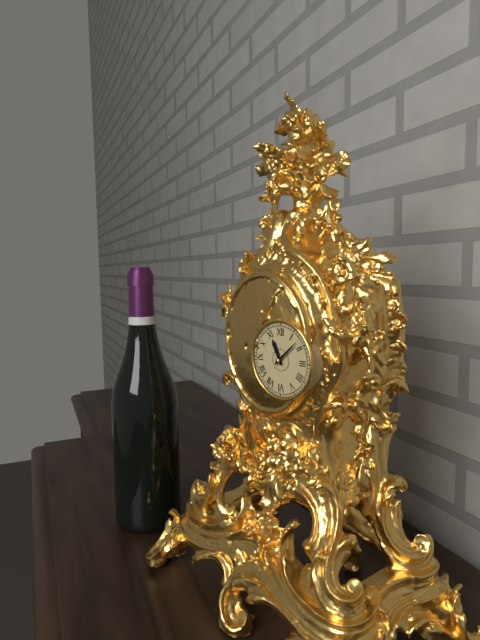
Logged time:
11h08
